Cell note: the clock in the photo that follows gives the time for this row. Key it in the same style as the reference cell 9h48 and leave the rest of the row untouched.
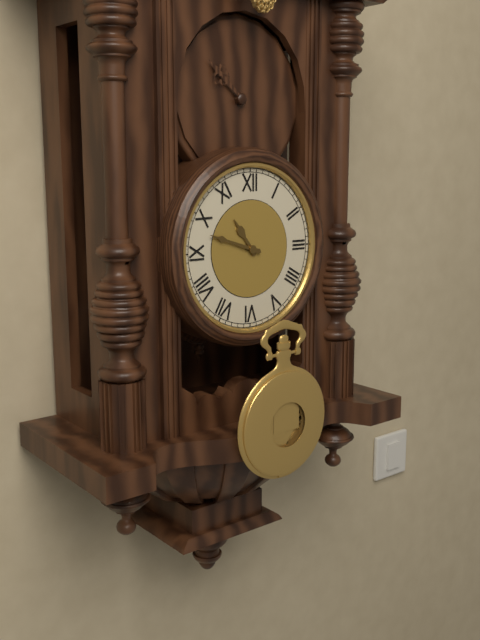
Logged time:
10h48
